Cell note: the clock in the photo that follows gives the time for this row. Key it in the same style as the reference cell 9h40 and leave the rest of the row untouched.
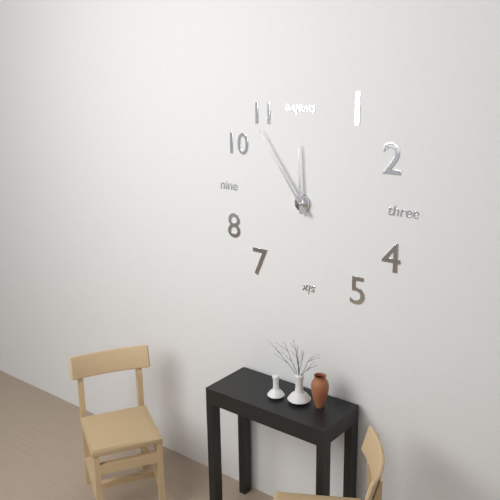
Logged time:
11h54
